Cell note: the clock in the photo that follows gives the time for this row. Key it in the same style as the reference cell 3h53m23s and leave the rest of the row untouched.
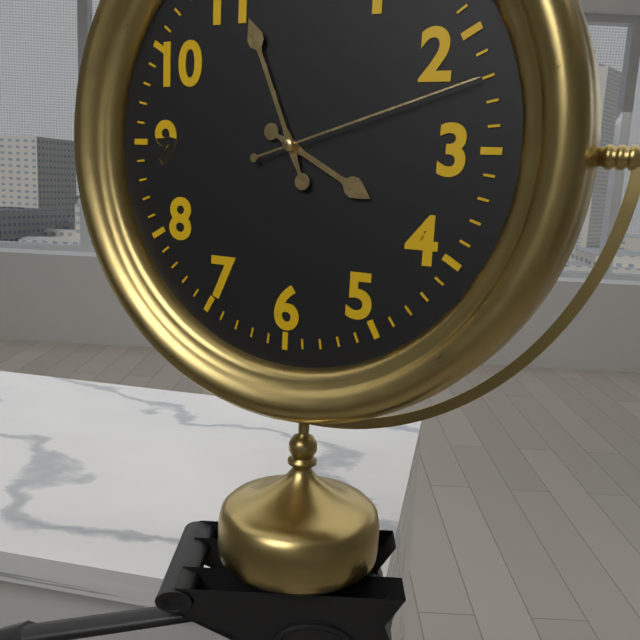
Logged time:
3h56m12s
